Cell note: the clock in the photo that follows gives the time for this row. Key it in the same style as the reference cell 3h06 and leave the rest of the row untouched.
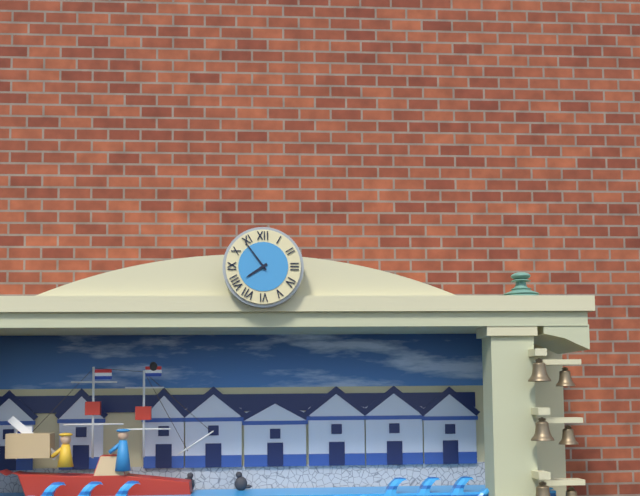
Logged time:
7h54
